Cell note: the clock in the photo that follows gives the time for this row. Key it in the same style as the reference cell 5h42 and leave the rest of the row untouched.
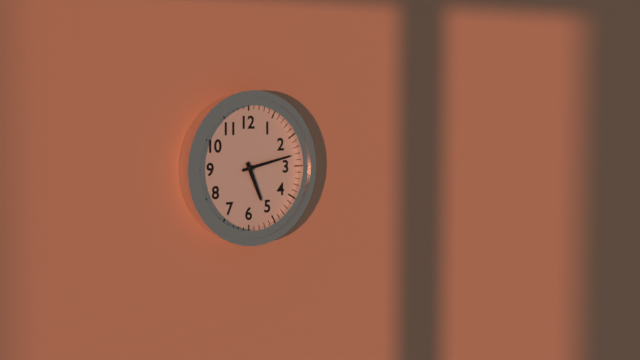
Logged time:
5h13
